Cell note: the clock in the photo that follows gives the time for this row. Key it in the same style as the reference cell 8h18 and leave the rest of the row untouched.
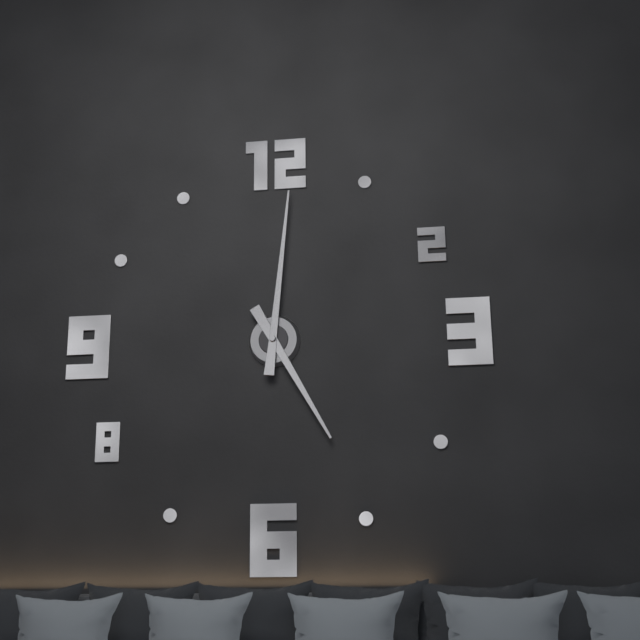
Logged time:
5h01
